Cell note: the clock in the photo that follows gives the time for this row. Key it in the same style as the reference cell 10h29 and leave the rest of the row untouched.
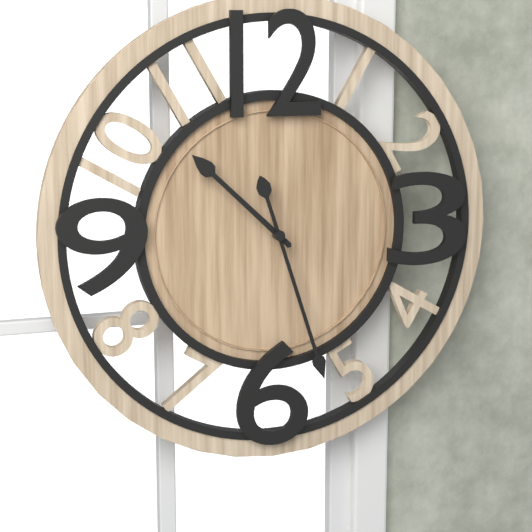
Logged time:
10h27
